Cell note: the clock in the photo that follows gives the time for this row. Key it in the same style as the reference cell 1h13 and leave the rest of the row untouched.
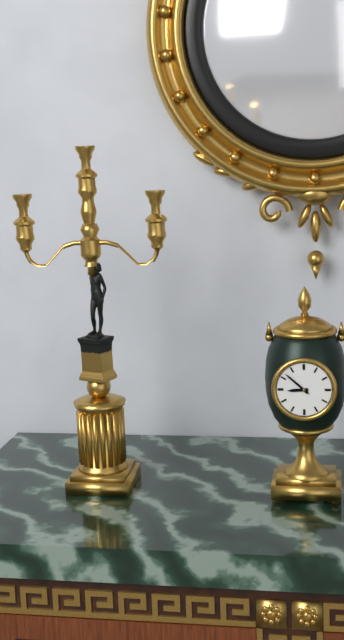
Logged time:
8h52
